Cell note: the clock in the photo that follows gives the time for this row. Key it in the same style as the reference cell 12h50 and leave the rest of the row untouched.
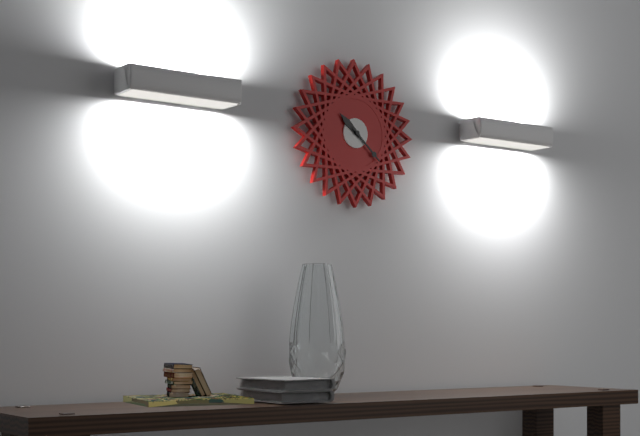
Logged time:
10h22
